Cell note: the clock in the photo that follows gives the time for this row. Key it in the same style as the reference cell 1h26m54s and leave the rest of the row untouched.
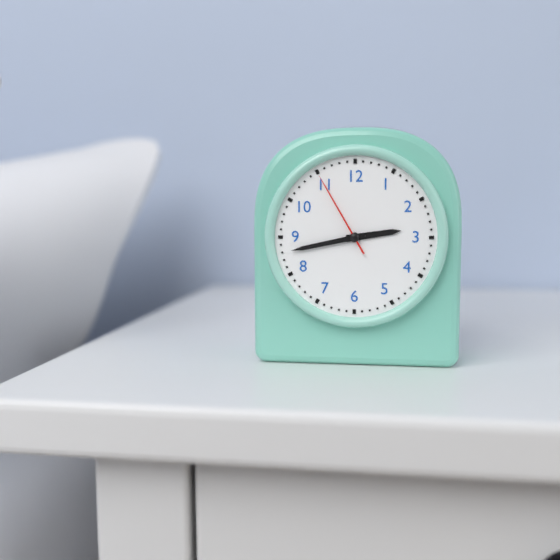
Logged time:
2h43m55s
